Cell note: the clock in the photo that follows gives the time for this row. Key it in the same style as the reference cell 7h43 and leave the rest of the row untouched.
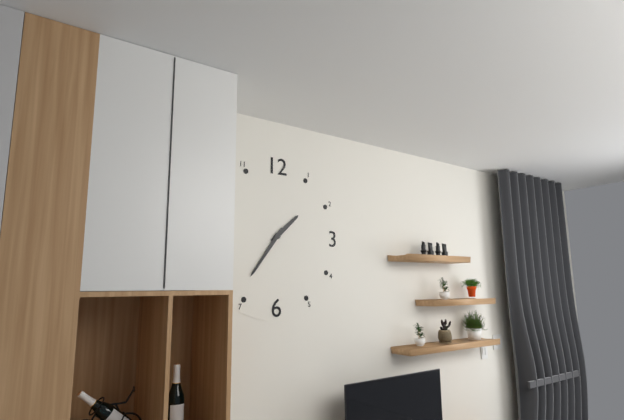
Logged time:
1h36
